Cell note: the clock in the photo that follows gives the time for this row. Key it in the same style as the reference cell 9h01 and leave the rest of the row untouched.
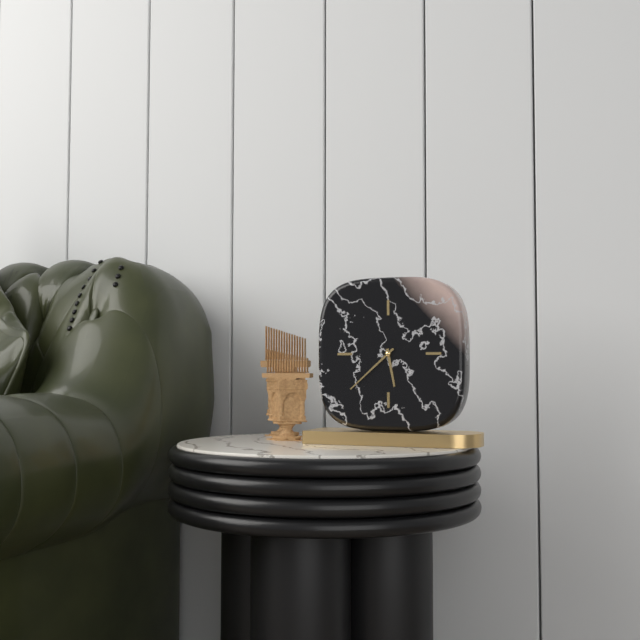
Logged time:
5h38
